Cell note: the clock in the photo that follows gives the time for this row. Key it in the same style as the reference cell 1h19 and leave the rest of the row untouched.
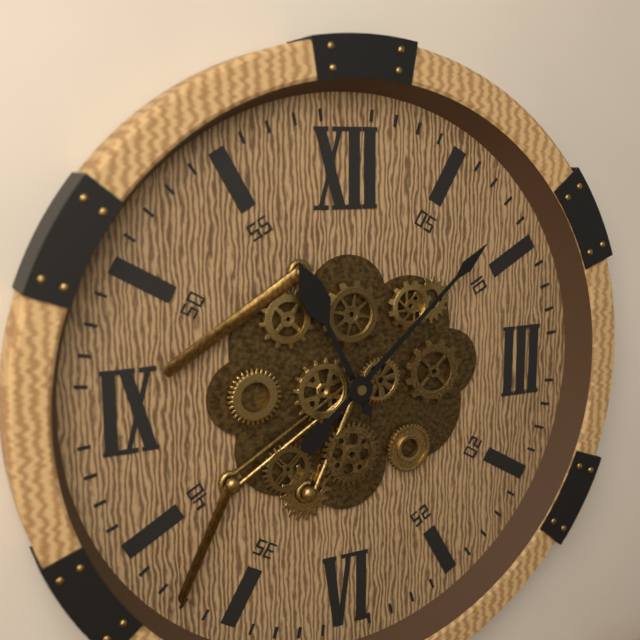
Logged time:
11h08
